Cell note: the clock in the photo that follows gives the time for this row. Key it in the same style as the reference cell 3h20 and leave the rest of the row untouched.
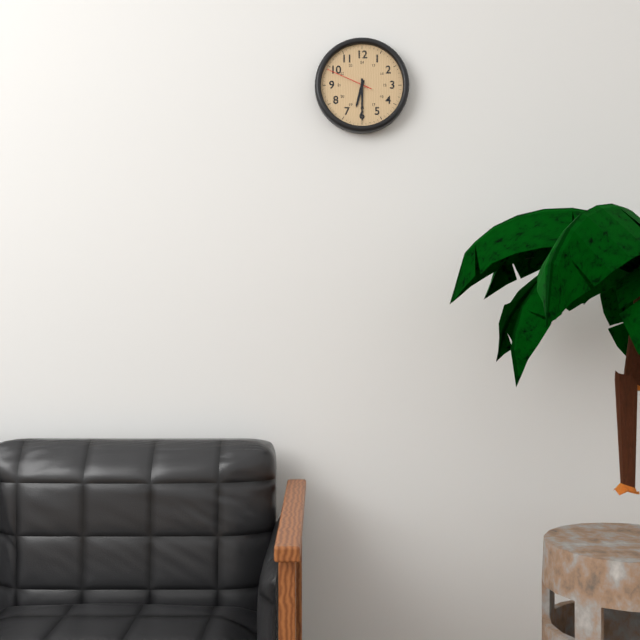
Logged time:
6h30
